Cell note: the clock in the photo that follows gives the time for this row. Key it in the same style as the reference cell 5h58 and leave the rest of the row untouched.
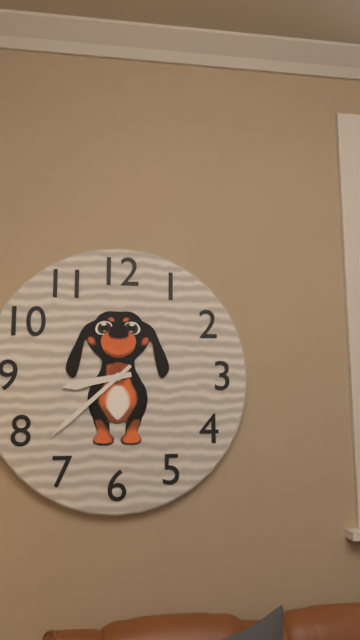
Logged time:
8h38
